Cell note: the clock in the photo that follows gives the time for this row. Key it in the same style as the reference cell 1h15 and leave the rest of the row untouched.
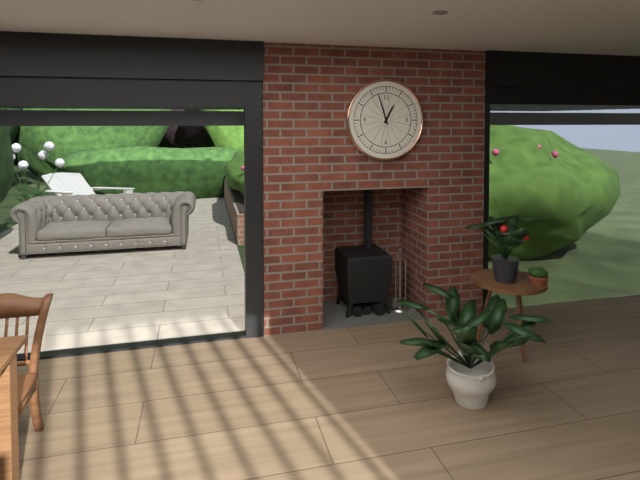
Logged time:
12h57
